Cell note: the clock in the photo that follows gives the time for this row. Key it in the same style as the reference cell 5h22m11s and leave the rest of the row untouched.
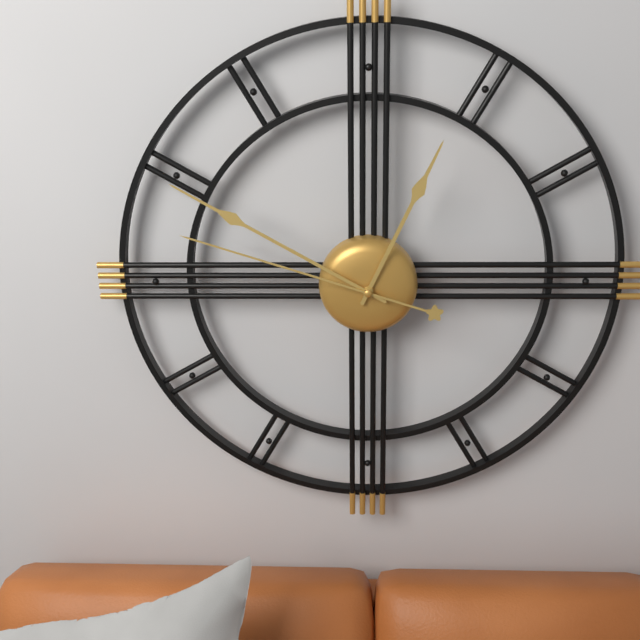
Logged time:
12h50m48s
